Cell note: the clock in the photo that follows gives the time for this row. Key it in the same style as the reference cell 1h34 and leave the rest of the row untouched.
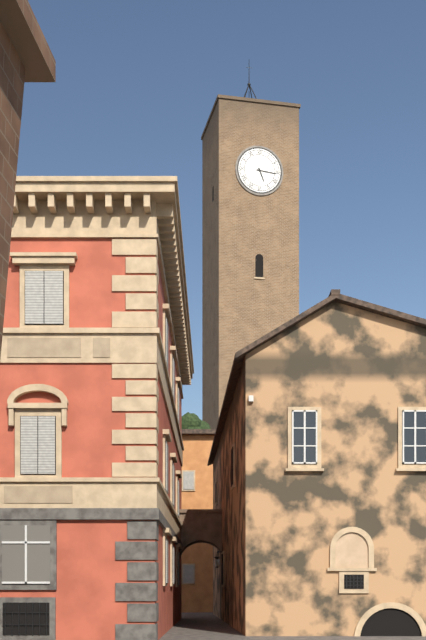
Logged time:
5h16
